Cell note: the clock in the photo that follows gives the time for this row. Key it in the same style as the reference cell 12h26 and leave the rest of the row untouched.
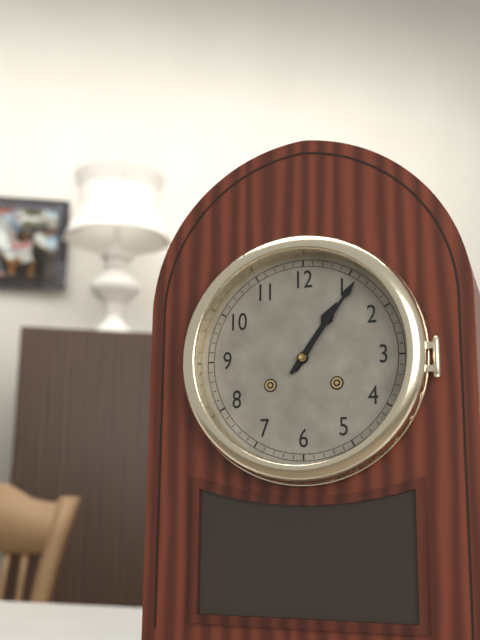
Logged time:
1h06
